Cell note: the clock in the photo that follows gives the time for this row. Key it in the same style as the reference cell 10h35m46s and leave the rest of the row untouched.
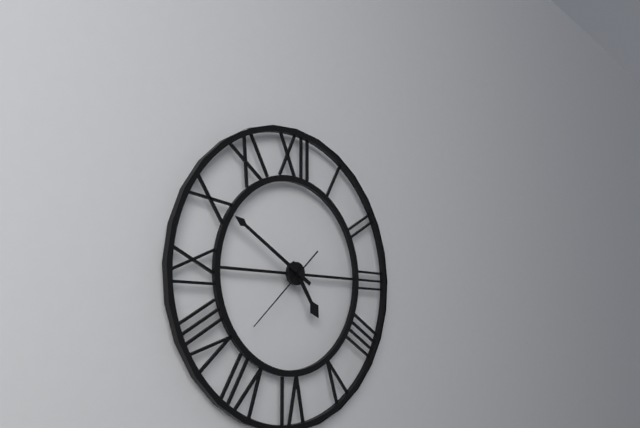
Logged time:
4h50m38s
